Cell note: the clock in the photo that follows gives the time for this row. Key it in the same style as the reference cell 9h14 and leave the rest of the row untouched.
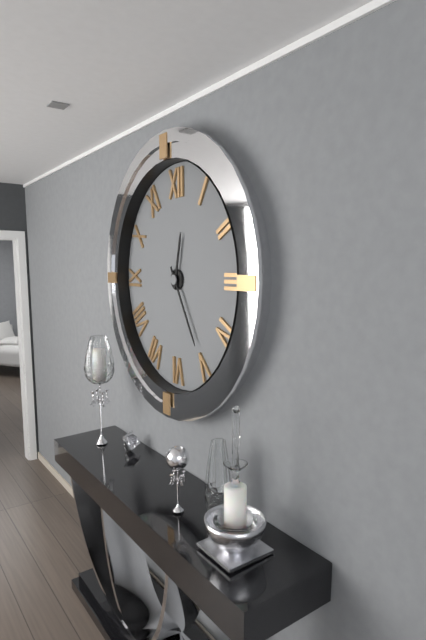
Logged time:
12h25
